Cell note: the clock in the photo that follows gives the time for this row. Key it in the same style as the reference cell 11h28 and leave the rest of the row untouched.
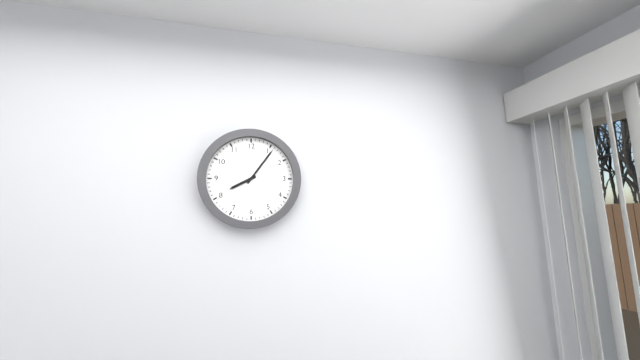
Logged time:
8h06
